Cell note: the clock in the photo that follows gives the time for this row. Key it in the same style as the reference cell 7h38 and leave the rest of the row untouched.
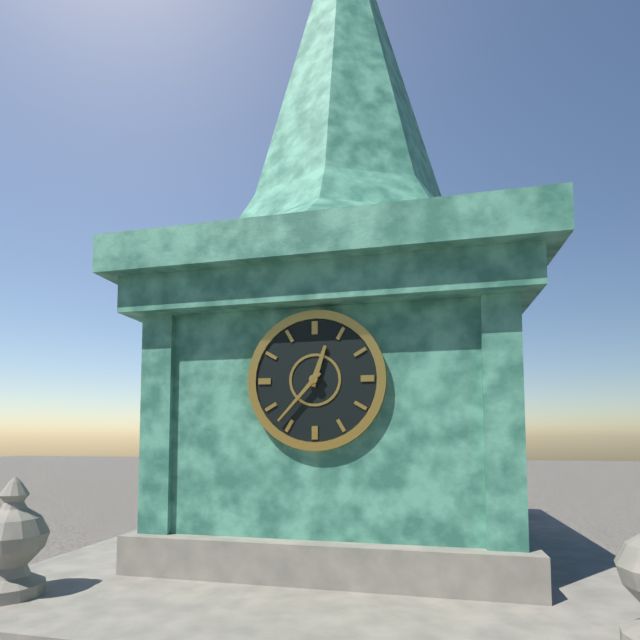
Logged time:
12h37
